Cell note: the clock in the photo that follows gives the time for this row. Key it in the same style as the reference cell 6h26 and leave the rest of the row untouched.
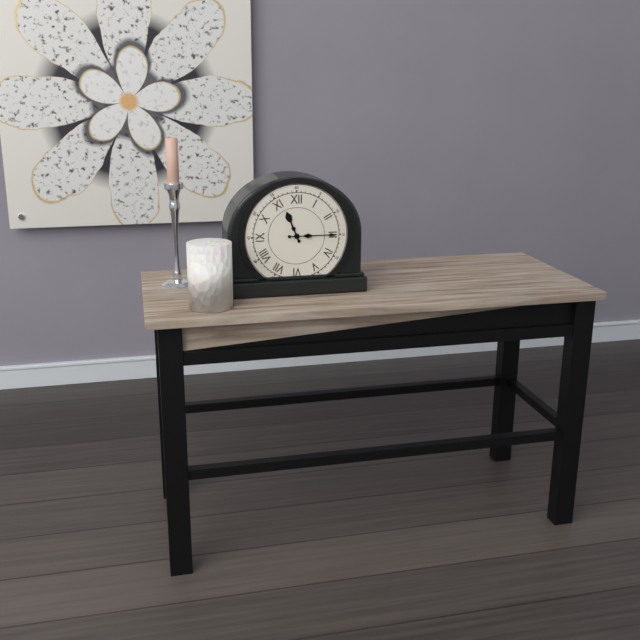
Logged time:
11h15
